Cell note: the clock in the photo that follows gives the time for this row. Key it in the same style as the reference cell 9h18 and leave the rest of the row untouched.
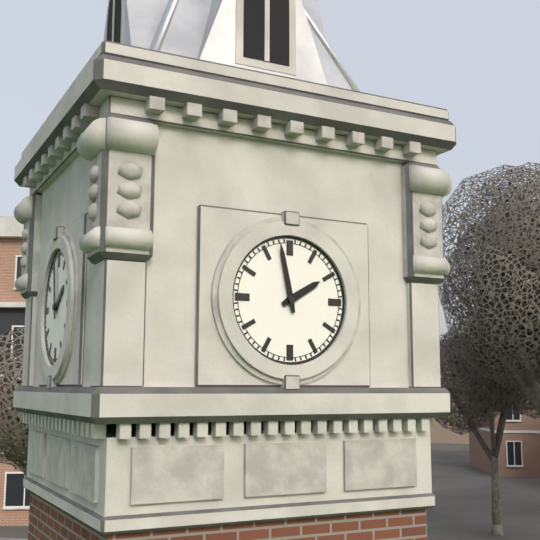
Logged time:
1h58
